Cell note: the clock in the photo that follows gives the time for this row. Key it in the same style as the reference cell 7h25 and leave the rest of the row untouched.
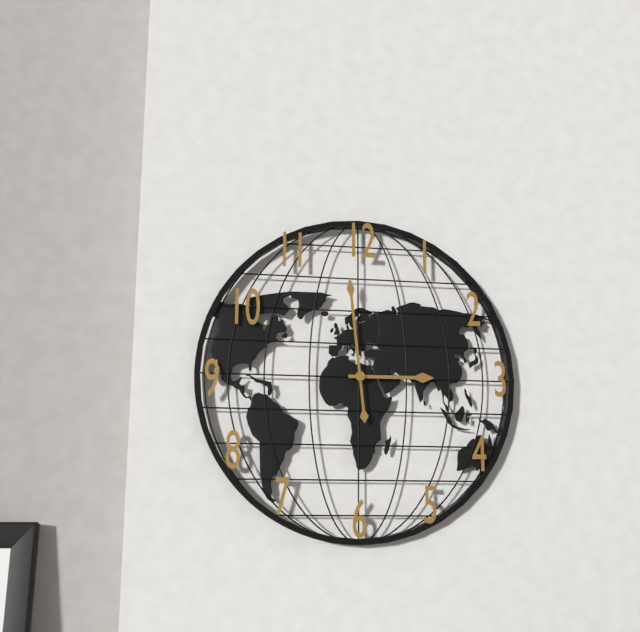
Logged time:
2h59
